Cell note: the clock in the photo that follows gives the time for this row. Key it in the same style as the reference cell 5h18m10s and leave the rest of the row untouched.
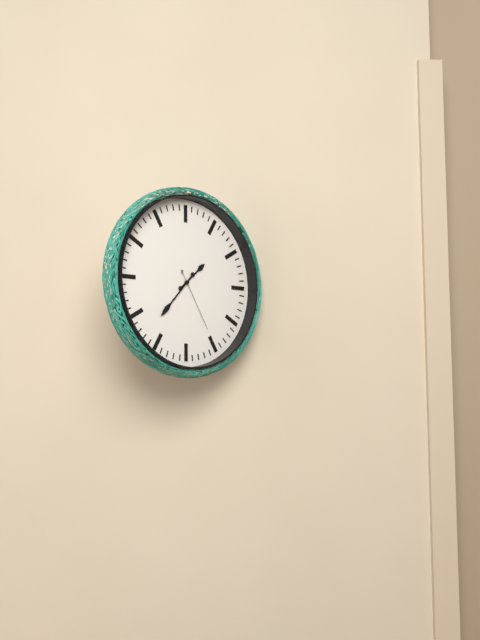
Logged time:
1h37m25s
